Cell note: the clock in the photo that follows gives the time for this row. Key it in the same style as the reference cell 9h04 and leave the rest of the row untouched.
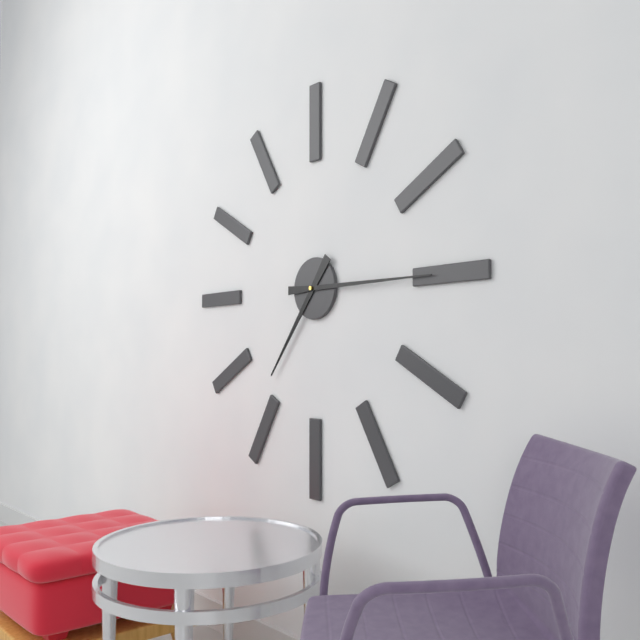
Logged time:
7h15
